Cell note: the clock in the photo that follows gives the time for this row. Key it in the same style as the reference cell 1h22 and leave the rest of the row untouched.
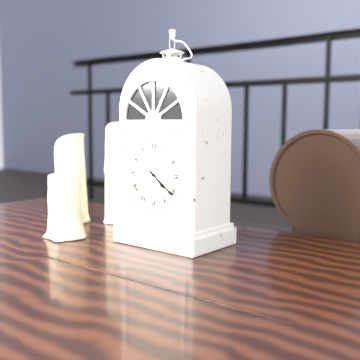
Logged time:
4h21
